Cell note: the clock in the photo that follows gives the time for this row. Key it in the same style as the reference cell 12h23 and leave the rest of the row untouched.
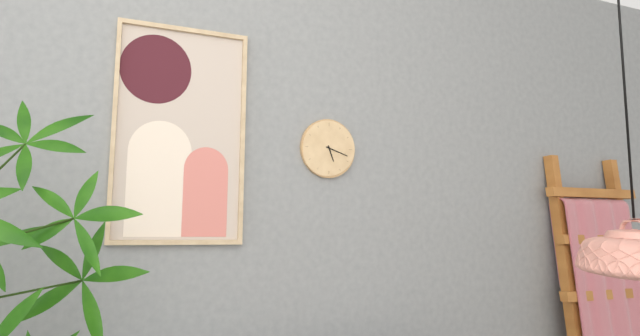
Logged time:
5h18
